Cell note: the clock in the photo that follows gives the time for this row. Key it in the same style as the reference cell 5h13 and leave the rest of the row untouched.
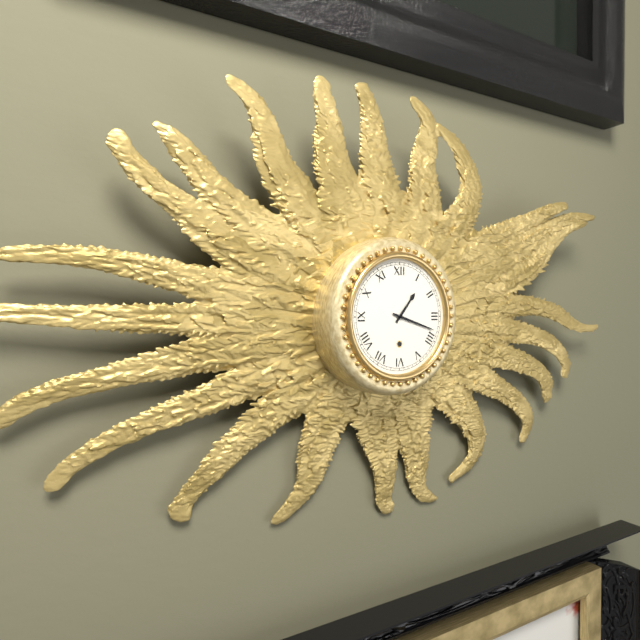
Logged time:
1h18
